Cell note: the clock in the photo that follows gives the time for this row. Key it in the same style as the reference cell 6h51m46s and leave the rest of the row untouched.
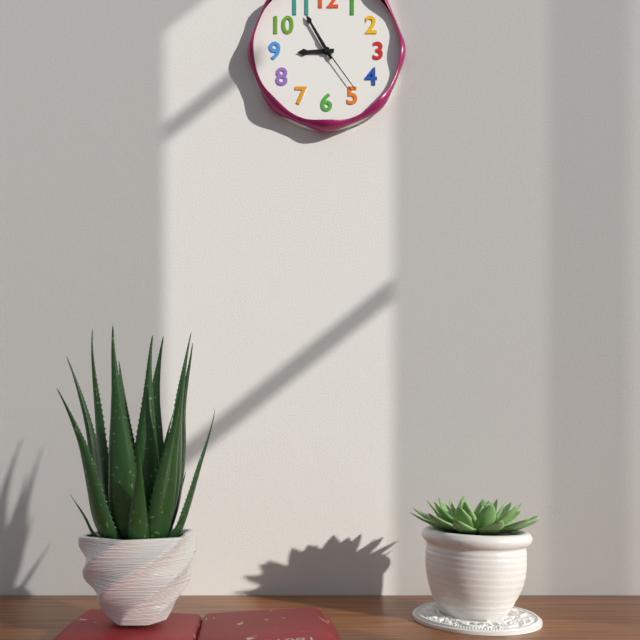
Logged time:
8h55m24s
